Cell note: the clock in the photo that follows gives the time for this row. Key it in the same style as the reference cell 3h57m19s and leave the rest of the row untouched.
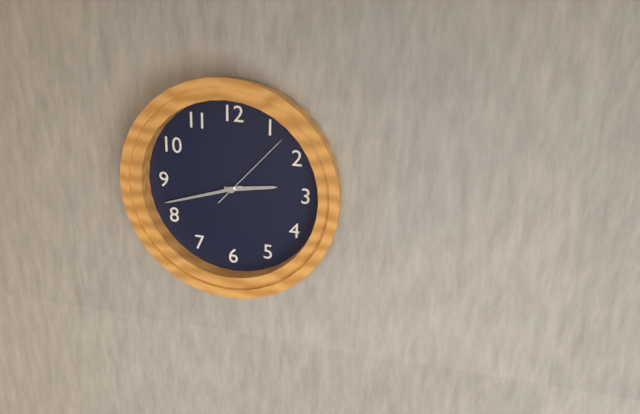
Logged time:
2h42m07s
